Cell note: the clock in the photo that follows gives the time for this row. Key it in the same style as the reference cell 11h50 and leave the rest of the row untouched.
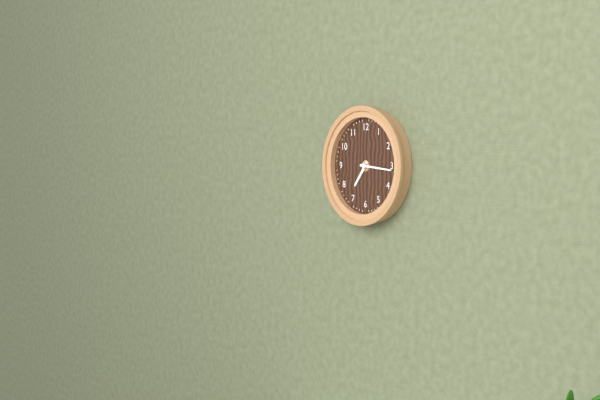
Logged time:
7h16
